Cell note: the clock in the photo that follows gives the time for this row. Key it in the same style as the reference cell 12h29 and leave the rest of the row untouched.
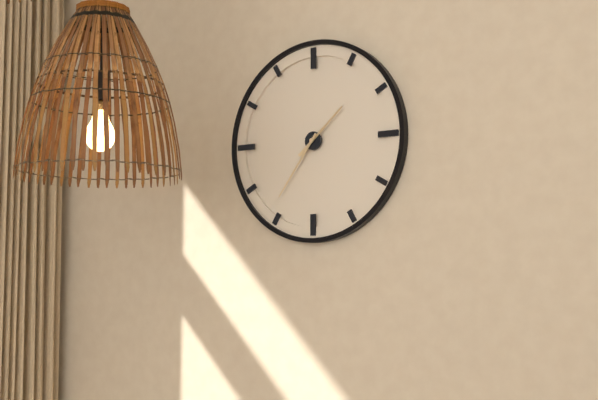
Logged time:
1h36
